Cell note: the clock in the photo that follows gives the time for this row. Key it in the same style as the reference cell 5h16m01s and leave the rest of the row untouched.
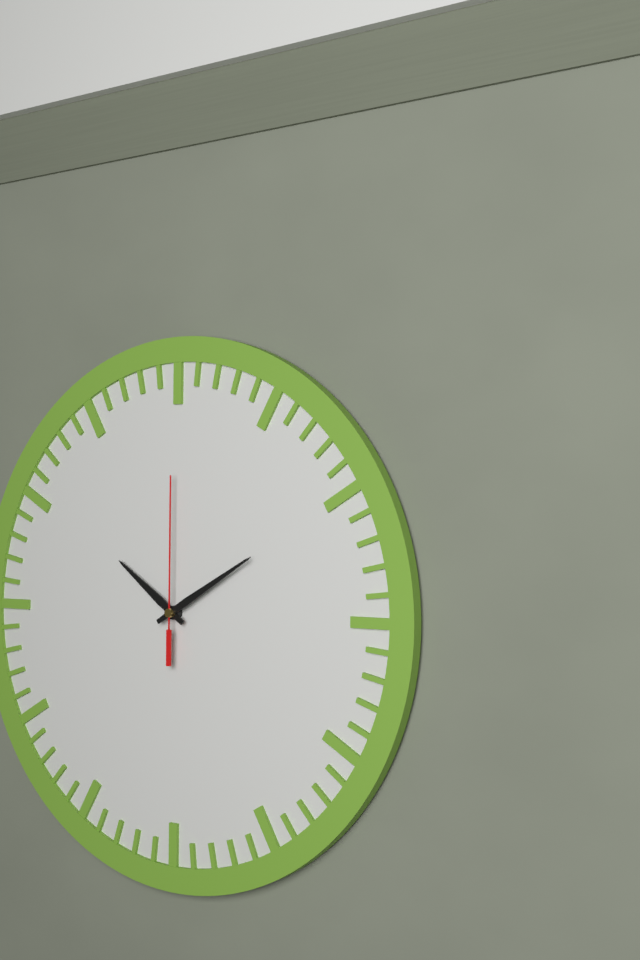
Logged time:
10h10m00s
